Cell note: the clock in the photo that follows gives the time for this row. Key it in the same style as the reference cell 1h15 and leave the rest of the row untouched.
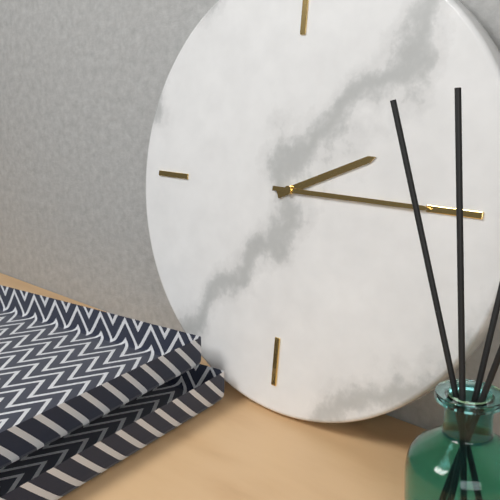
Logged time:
2h15
